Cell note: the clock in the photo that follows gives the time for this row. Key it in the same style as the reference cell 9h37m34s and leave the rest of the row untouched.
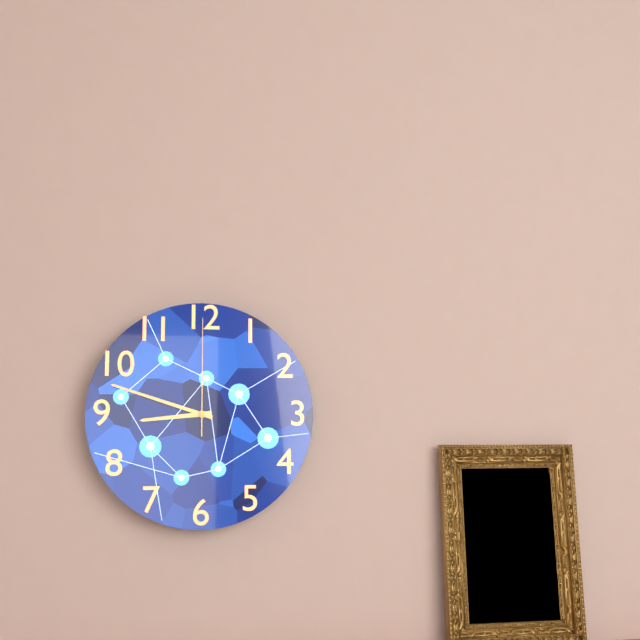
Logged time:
8h48m00s
